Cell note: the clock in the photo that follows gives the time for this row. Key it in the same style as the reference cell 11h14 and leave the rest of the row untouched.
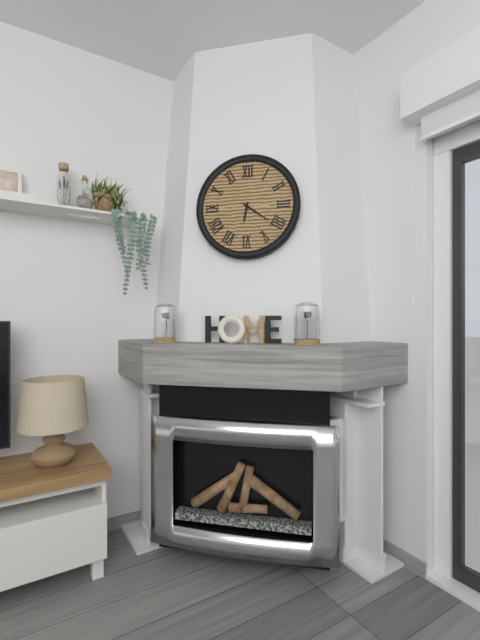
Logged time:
6h21
